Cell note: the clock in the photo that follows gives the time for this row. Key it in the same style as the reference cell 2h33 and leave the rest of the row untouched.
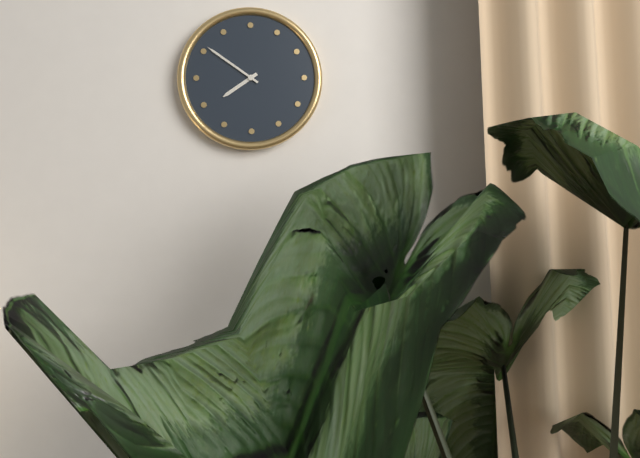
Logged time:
7h51
